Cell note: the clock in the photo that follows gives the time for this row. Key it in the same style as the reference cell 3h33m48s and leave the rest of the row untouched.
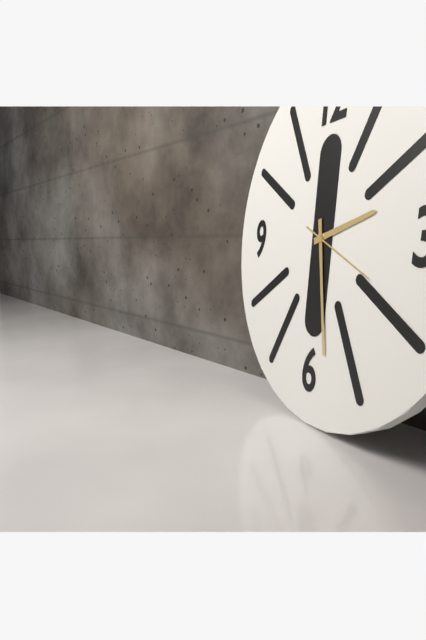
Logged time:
2h28m19s
